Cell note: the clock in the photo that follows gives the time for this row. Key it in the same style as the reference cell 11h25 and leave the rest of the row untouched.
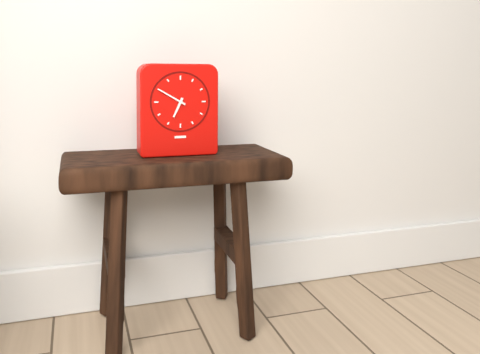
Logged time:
6h50
